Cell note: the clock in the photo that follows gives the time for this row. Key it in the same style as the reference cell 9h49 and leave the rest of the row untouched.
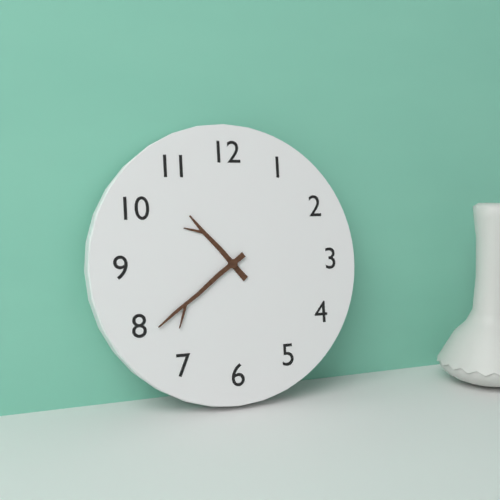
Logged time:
10h39
